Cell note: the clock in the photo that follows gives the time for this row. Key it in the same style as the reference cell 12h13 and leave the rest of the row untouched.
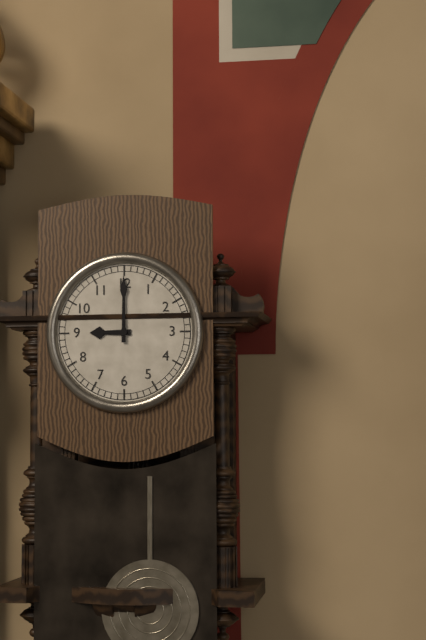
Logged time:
9h00
